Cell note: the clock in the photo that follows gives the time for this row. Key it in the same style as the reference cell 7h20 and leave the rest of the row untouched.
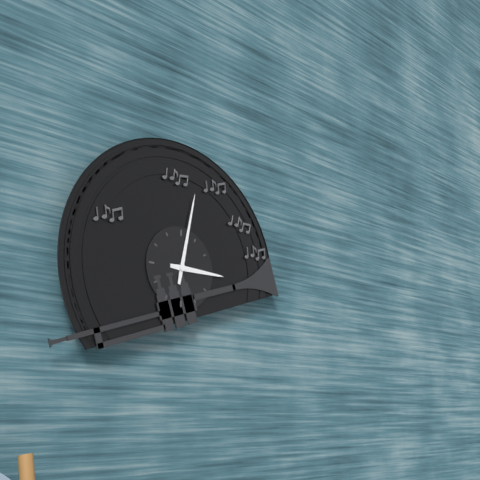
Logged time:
3h02
